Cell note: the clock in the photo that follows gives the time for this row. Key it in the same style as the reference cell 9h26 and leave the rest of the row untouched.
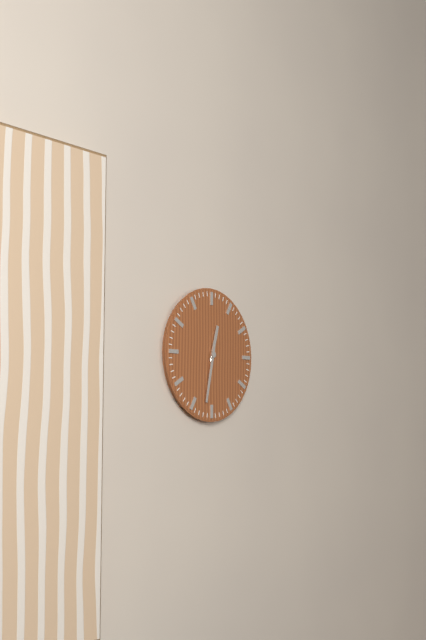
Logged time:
12h32
